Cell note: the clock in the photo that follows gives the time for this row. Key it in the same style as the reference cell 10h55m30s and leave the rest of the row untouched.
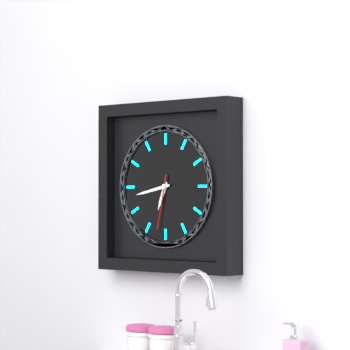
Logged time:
6h43m32s
